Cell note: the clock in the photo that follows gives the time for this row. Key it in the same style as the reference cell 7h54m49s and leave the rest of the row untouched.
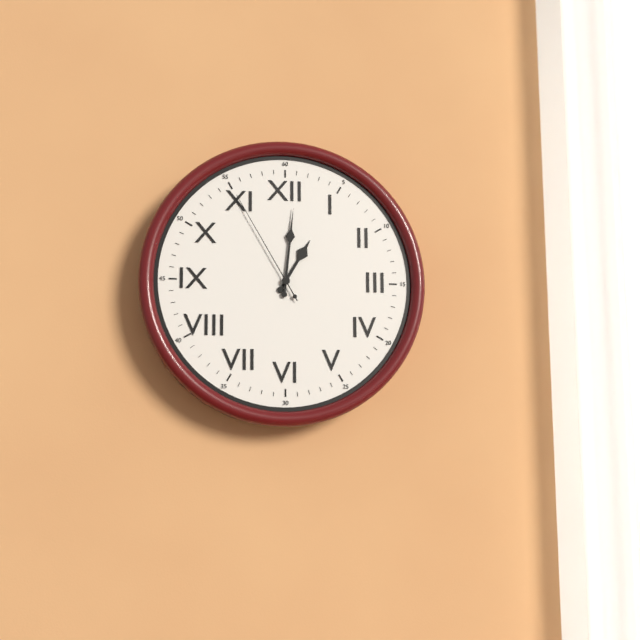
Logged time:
1h01m55s
